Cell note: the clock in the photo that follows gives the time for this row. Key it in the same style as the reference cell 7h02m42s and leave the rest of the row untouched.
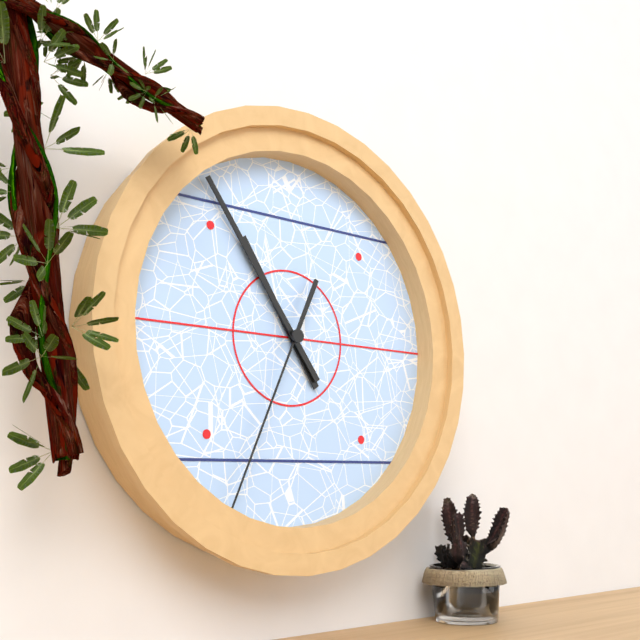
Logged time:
10h54m34s
